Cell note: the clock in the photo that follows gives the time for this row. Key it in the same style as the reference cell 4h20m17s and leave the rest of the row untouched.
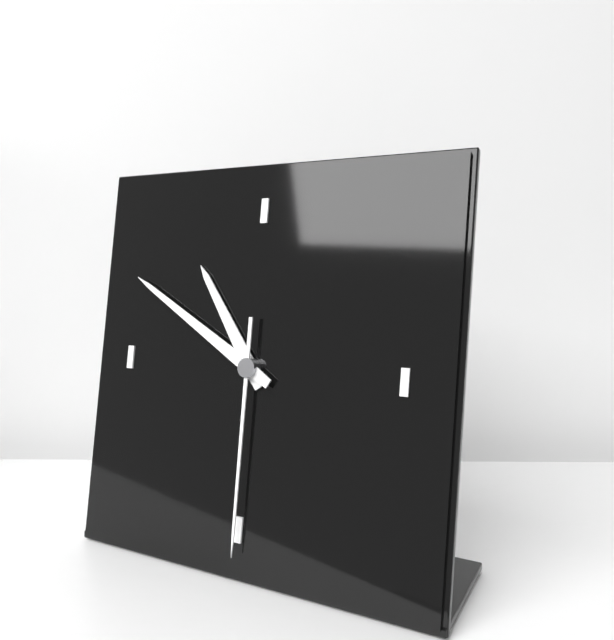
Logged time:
10h50m30s
